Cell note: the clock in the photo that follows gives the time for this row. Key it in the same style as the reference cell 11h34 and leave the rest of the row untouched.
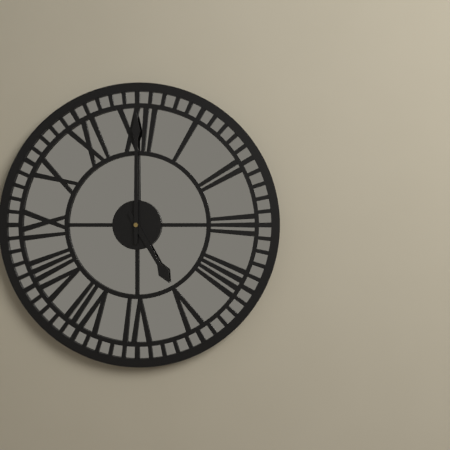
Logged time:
5h00
